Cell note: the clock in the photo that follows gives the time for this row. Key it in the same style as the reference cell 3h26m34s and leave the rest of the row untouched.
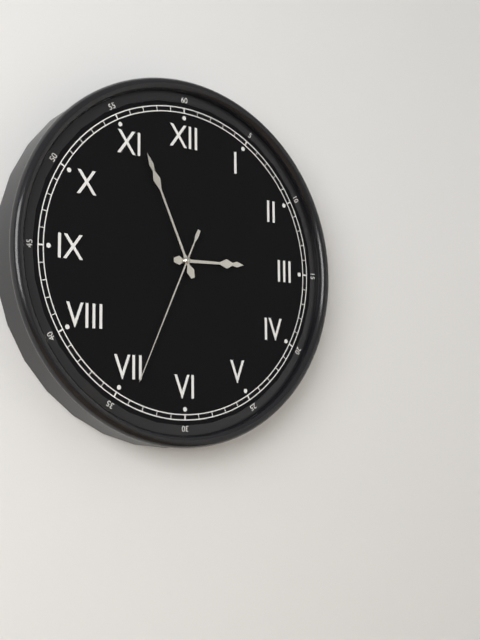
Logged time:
2h56m34s
